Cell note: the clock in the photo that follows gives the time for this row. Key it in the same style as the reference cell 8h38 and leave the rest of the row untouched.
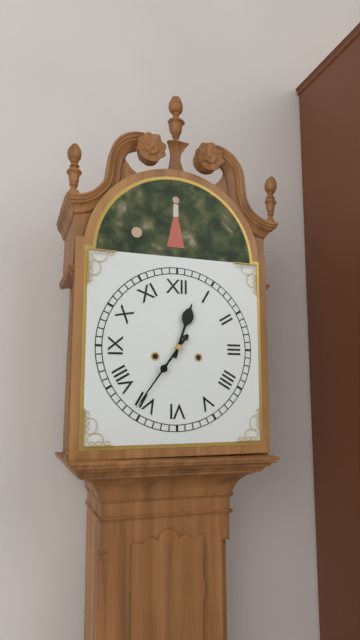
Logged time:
12h36
